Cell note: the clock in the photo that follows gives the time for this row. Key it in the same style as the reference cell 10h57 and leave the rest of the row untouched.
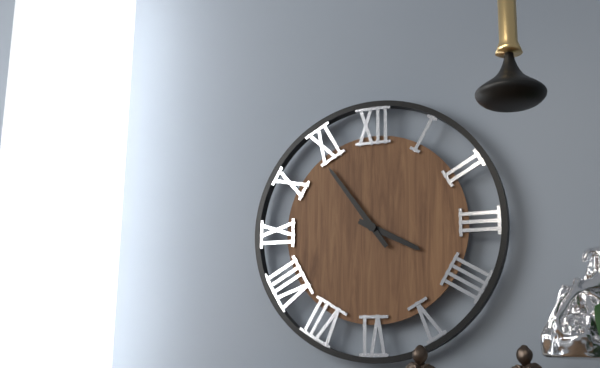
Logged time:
3h54
